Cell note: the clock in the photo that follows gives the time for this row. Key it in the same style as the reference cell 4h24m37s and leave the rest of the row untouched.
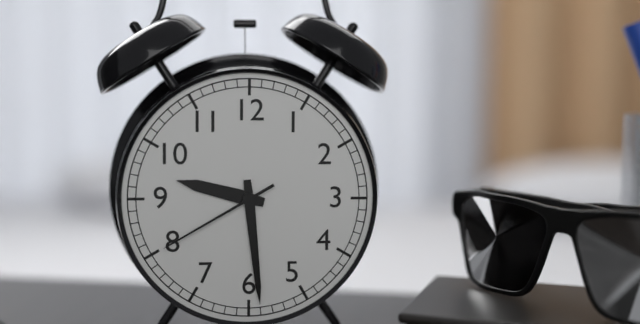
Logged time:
9h29m40s
